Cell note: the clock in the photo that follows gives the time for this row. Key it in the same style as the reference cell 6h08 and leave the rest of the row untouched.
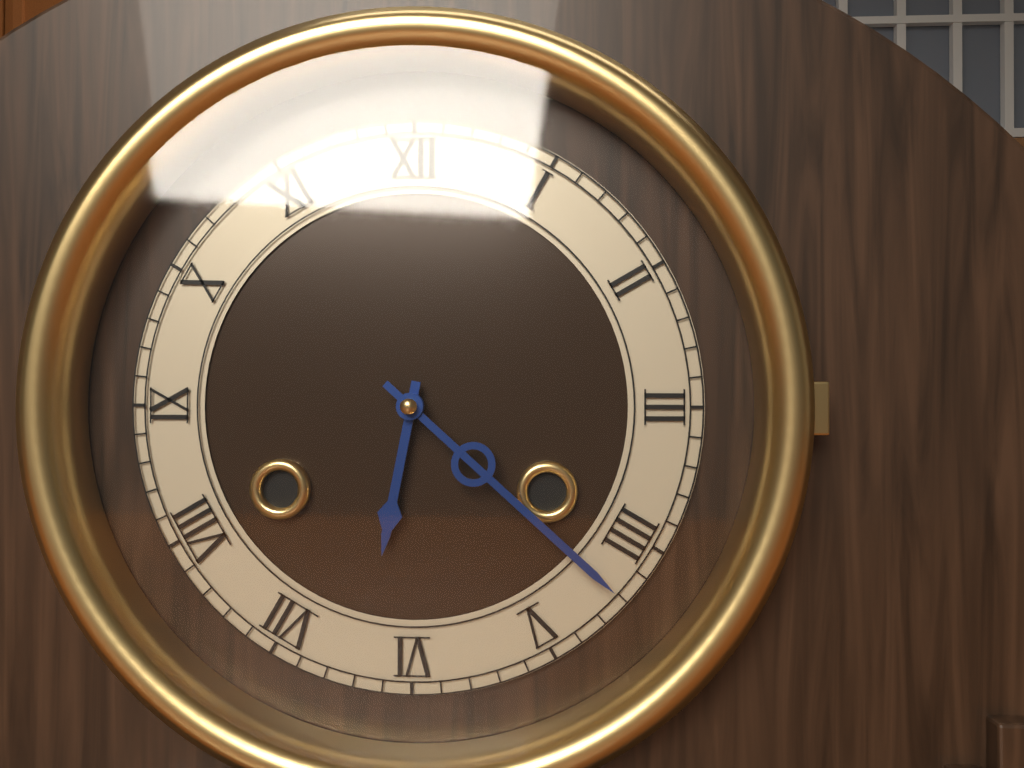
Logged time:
6h22
